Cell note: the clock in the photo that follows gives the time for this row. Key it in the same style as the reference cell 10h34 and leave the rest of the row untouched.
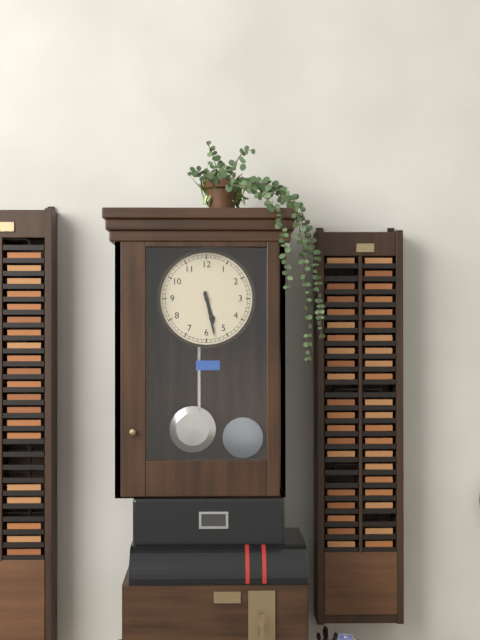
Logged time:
5h28
